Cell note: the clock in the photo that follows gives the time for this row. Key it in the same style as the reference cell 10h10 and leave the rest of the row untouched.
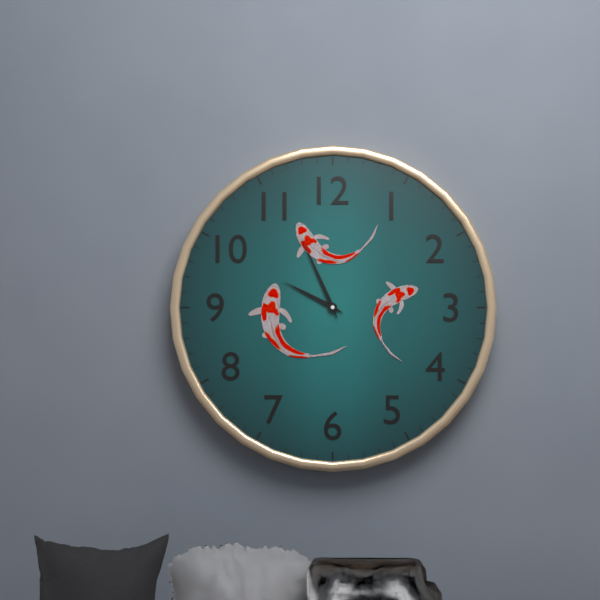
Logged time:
9h56
